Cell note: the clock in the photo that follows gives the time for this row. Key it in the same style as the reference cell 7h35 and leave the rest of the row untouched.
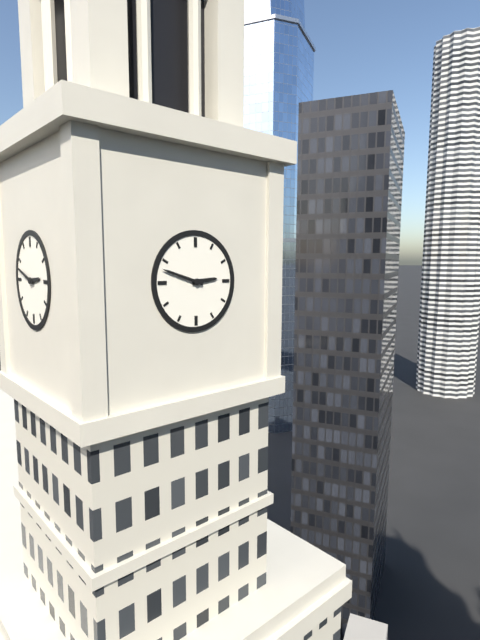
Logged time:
2h48
